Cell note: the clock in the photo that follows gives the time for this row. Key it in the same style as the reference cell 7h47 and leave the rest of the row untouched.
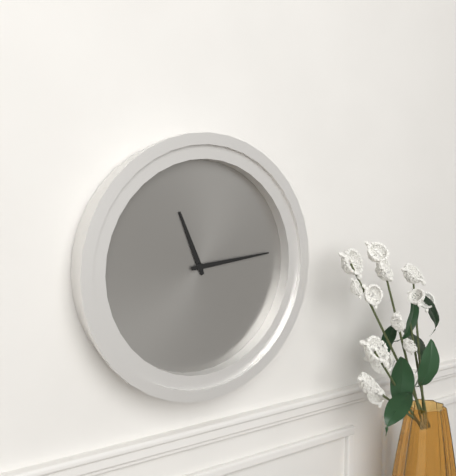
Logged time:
11h14
